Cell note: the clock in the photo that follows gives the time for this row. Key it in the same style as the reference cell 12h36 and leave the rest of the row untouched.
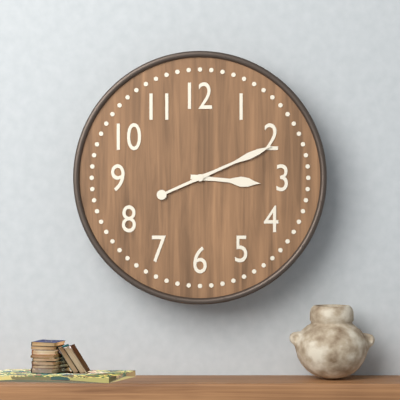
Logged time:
3h11
